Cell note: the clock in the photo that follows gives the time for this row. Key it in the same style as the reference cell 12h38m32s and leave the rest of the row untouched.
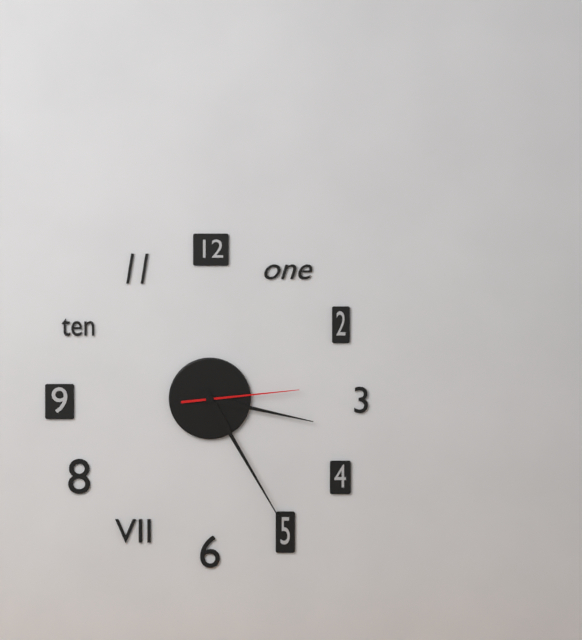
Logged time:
3h25m14s
